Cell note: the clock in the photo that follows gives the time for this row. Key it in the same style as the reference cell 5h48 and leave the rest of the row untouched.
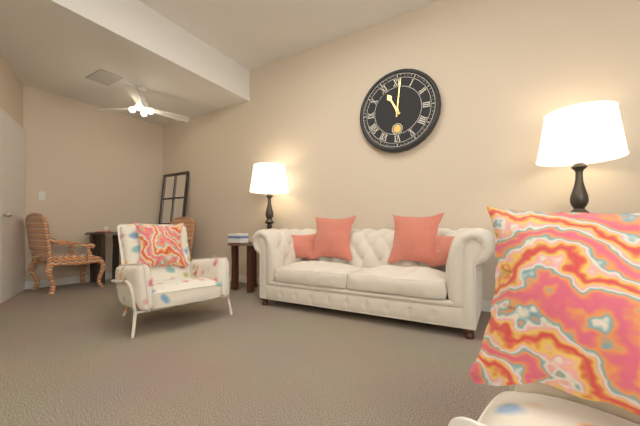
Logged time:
11h01
